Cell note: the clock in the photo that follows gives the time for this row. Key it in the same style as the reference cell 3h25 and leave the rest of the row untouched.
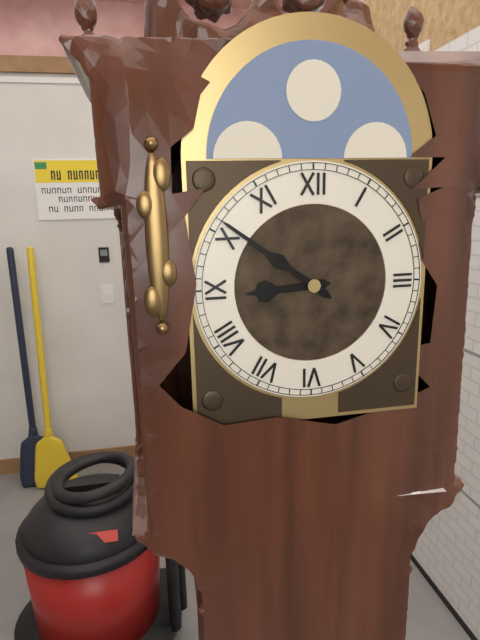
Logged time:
8h51
